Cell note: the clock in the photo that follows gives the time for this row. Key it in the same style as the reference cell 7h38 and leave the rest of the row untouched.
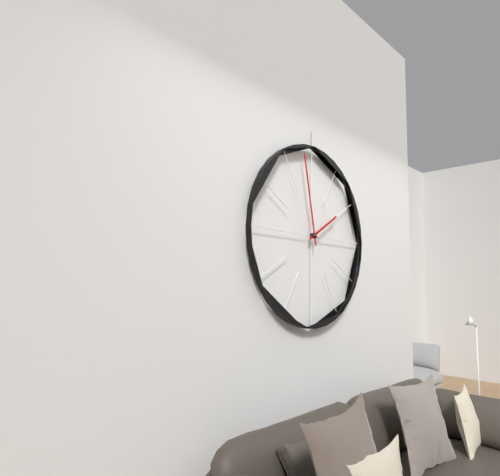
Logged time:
1h58
